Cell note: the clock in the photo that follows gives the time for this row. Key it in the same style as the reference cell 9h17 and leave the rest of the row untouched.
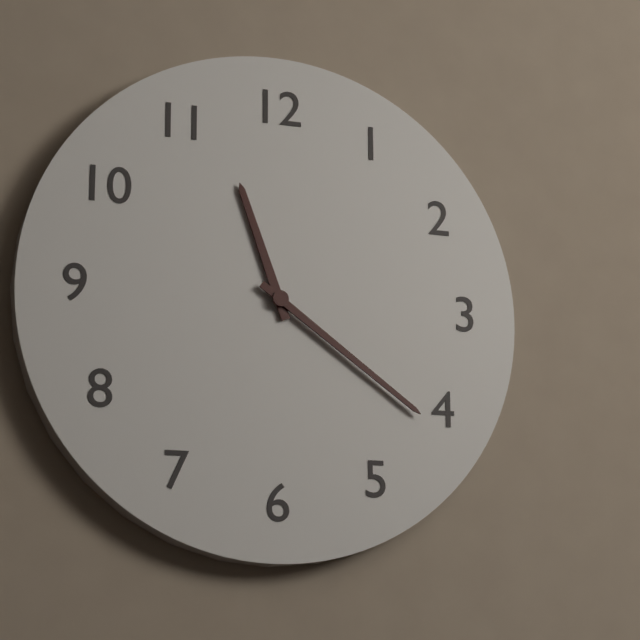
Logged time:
11h21
